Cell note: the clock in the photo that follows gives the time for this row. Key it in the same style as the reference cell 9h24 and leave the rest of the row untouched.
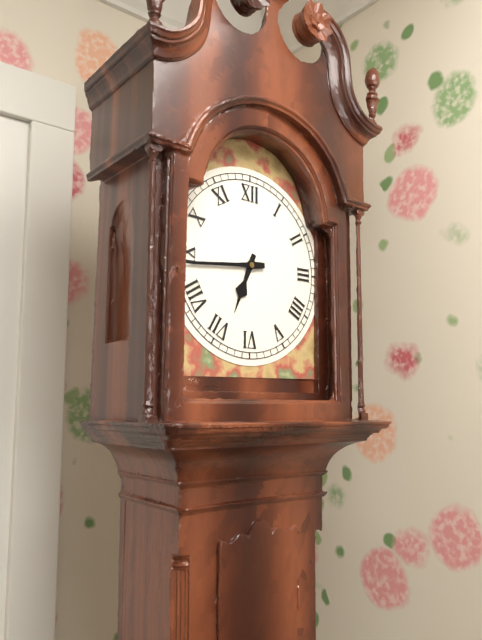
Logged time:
6h44
